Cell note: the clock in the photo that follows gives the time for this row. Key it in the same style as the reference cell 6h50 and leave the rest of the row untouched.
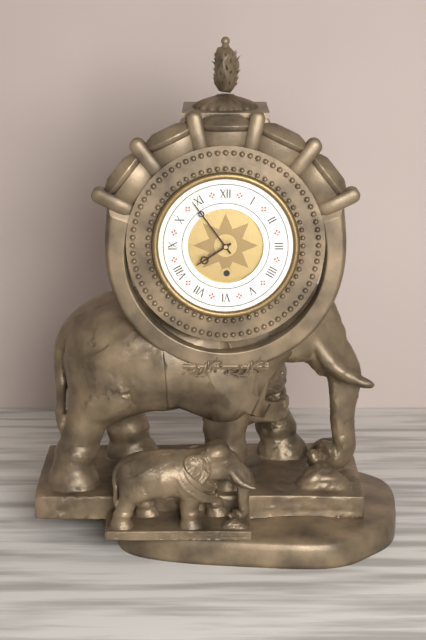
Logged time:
7h54
